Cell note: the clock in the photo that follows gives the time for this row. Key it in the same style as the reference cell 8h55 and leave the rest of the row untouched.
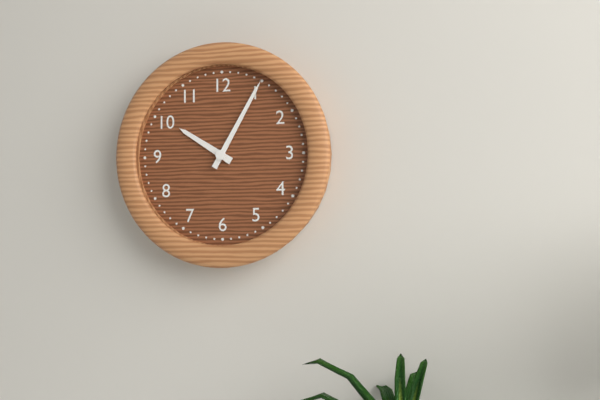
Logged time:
10h05
